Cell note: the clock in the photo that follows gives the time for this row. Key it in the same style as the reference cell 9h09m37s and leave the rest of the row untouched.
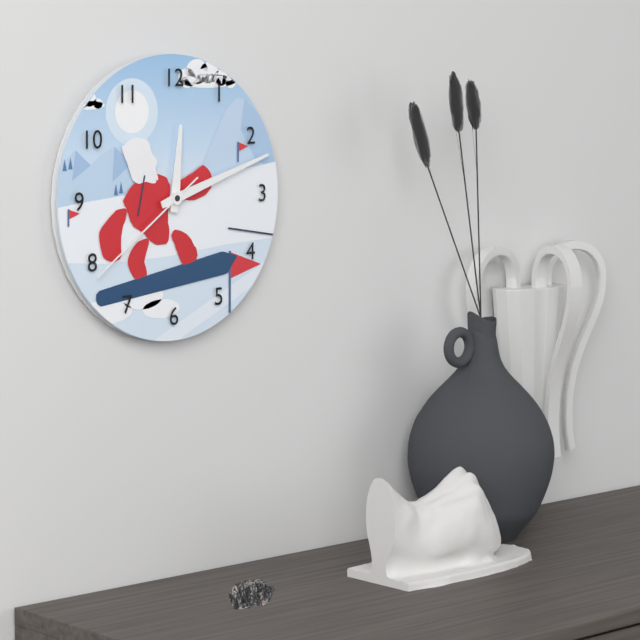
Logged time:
12h12m39s
